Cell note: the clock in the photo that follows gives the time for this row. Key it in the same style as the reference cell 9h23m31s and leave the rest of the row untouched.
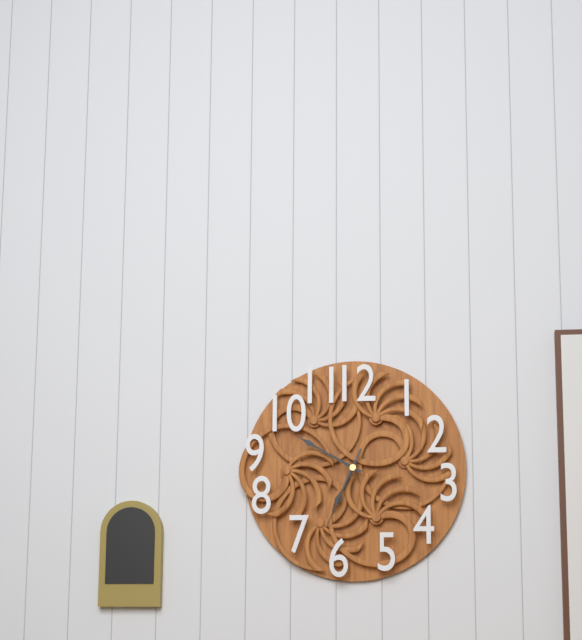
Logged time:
6h50m34s
